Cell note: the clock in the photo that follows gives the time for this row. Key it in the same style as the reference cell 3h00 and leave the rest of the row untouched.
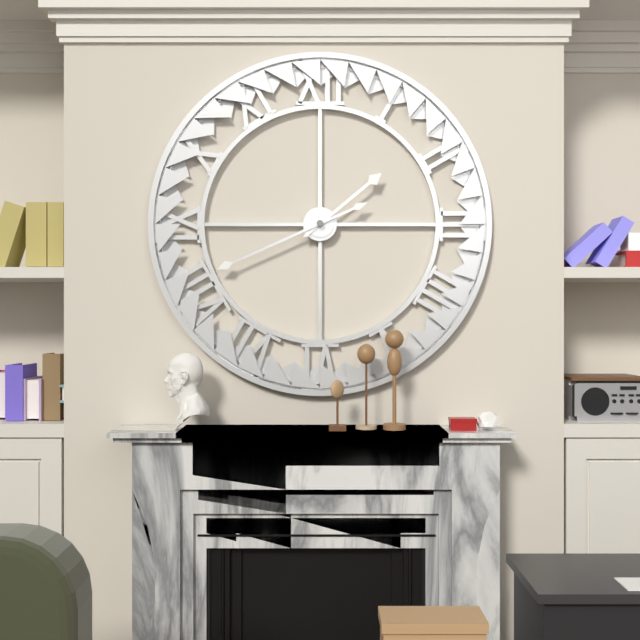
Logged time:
1h41
